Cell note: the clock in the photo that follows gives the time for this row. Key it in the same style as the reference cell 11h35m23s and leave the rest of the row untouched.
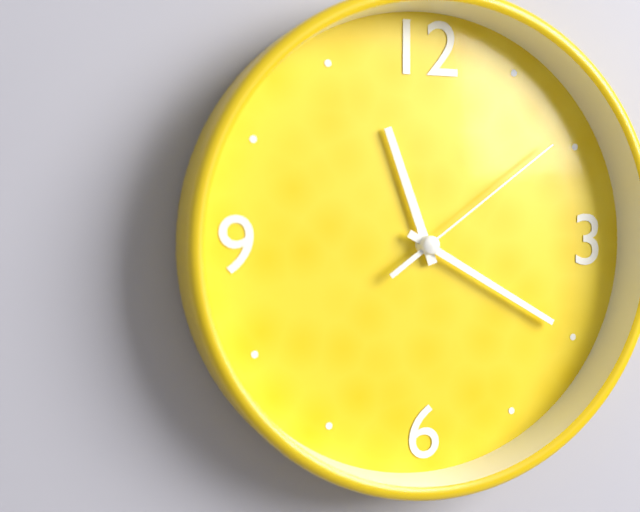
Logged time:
11h20m09s
